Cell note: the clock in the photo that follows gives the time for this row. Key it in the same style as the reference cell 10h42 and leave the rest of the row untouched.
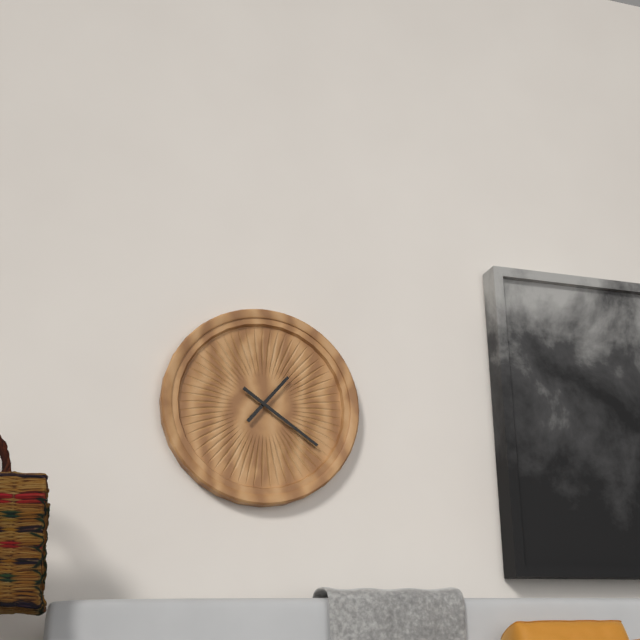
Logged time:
1h21
